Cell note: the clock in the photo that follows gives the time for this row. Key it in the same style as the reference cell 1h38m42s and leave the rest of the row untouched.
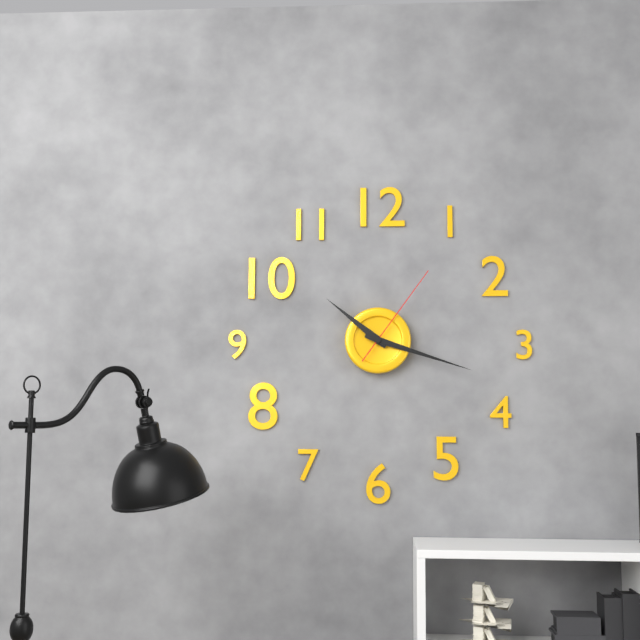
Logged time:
10h18m06s
